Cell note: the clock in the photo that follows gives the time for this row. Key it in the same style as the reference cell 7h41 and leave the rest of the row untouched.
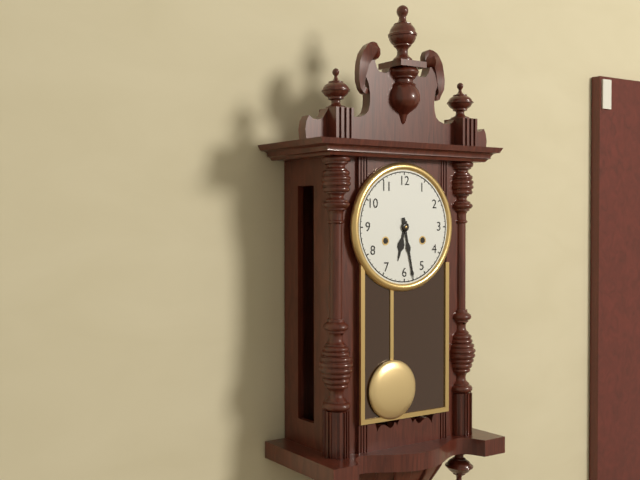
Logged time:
6h28
